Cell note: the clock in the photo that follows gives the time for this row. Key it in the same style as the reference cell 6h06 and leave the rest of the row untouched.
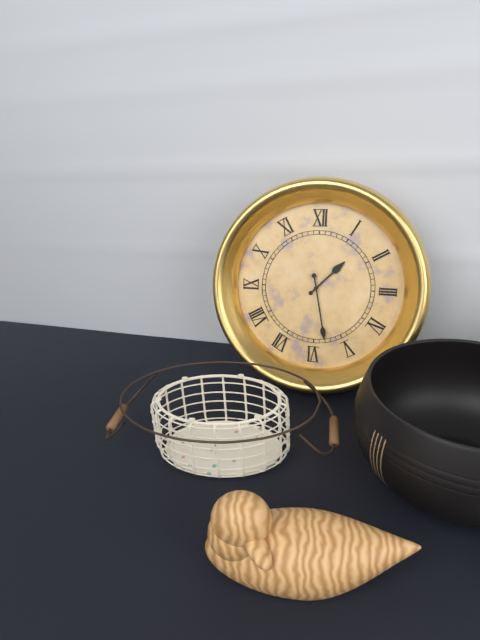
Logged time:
1h28
